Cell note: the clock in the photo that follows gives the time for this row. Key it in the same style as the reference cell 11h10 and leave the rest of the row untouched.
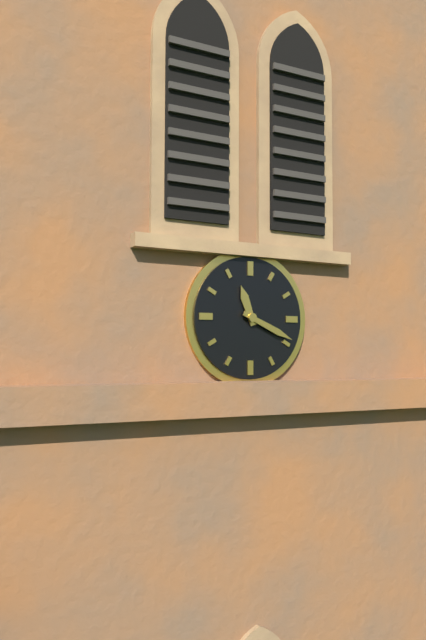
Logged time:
11h19
